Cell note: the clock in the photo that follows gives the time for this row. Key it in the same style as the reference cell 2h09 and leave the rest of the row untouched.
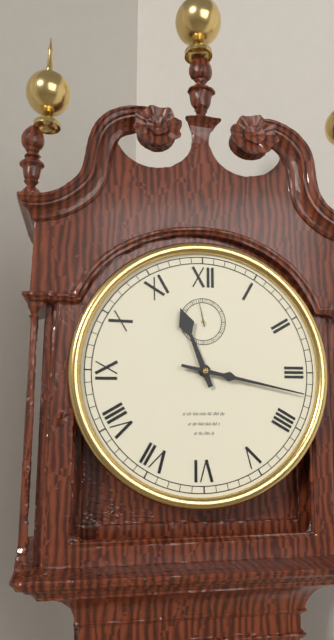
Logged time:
11h17
